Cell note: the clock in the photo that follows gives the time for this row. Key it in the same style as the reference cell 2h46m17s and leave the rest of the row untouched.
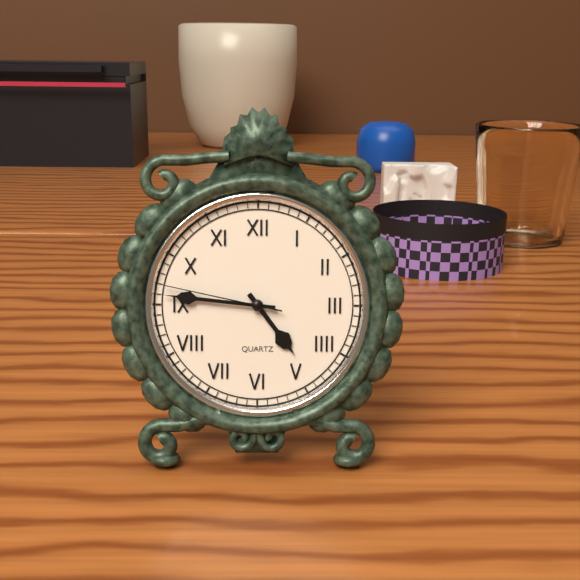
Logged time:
4h46m47s
